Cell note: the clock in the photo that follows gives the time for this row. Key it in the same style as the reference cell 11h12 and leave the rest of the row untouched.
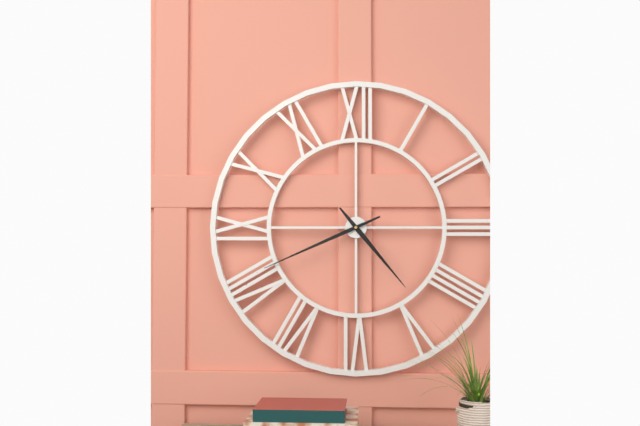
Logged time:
4h41
